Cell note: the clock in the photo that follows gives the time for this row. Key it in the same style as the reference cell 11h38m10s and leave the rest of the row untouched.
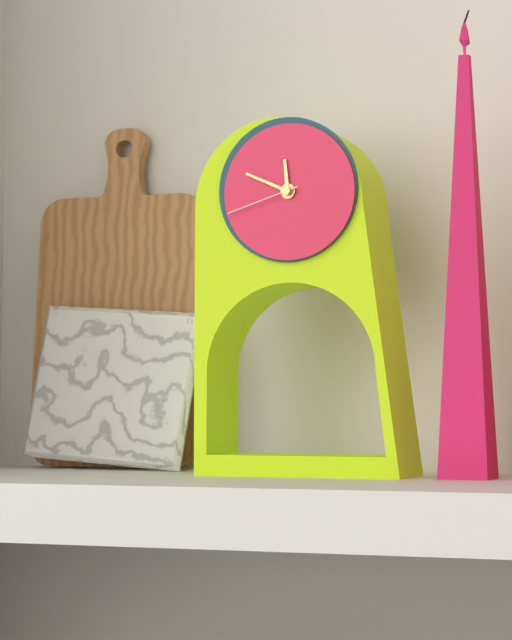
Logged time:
11h49m42s
